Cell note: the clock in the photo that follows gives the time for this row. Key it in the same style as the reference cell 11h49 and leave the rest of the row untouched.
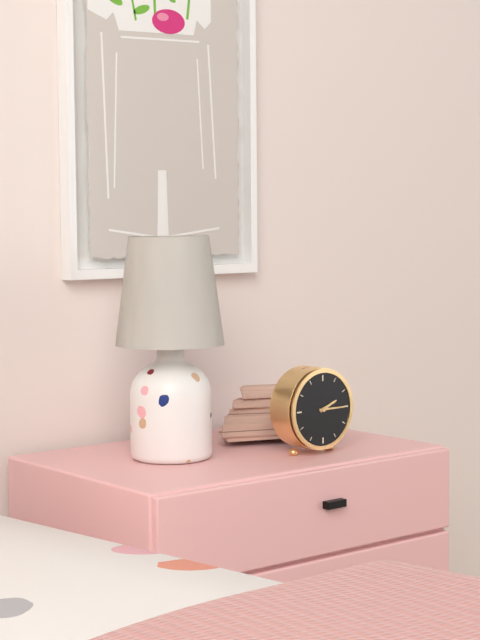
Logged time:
2h15
